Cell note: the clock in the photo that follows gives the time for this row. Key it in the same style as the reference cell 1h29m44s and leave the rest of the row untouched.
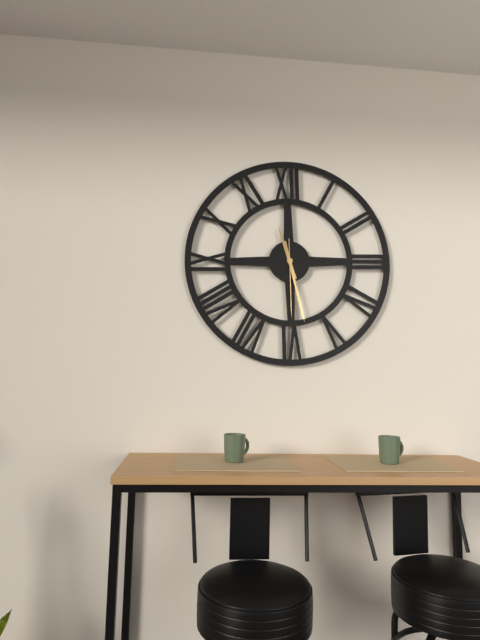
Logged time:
11h28m30s
